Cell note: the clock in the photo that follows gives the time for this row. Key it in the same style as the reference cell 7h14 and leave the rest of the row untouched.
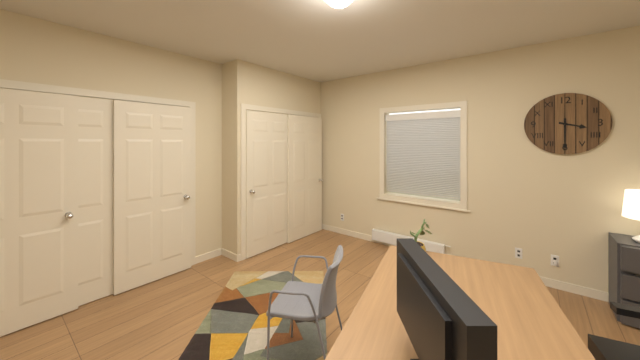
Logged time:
3h30
